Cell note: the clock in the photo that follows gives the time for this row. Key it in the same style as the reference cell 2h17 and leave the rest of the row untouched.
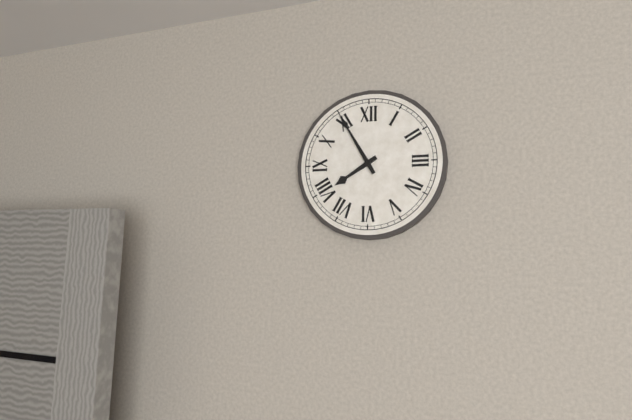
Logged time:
7h55
